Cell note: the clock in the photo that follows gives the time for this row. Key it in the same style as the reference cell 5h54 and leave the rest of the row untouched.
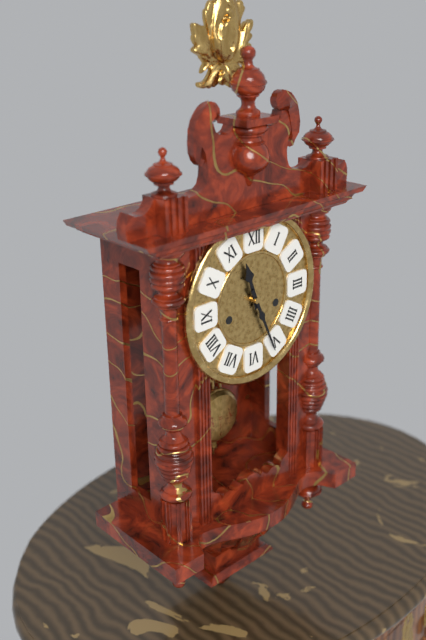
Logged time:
11h26
